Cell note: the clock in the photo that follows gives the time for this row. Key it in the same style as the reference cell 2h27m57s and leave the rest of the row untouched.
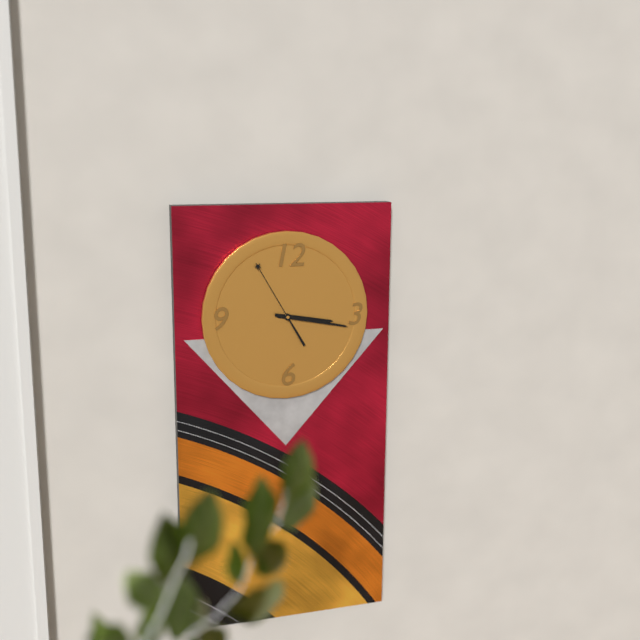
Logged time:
3h17m55s
